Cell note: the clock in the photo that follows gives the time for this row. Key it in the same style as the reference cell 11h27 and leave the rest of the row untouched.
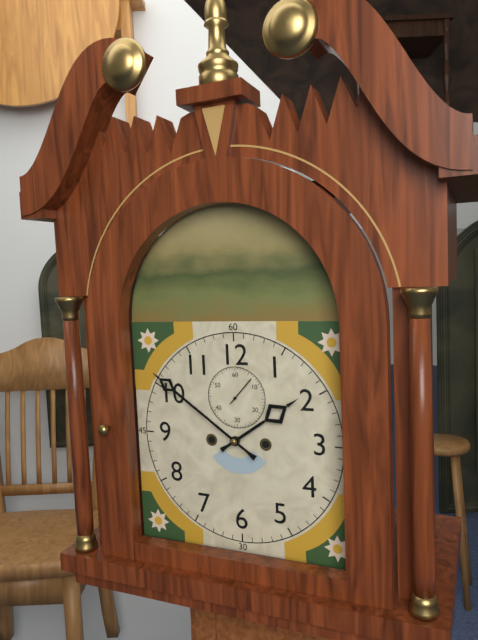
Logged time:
1h51
